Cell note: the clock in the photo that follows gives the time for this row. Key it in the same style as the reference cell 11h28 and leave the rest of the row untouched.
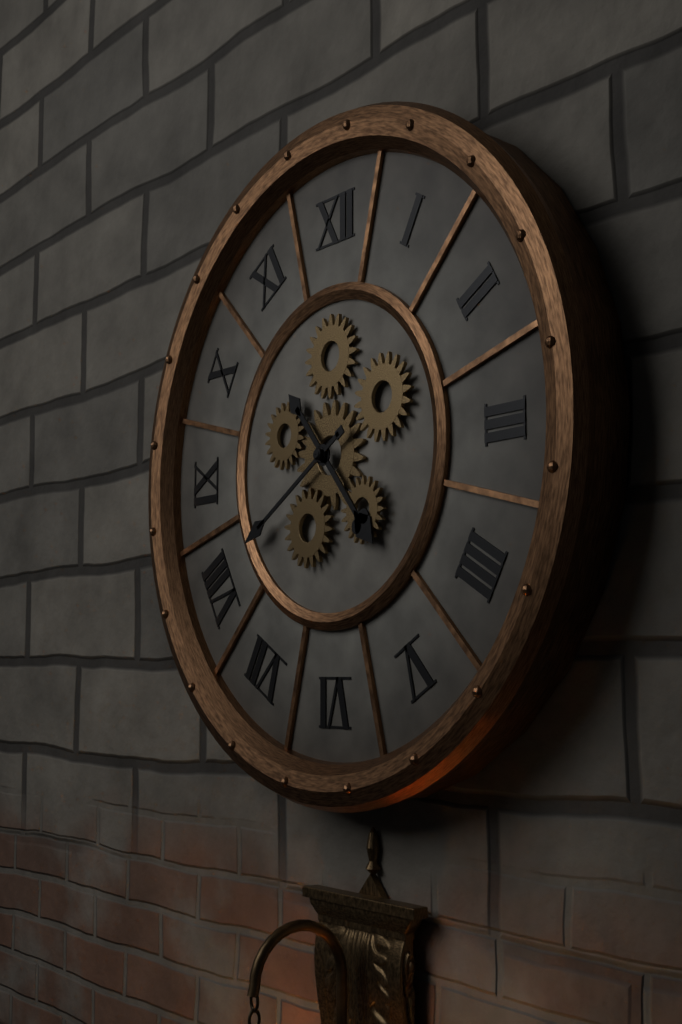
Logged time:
4h40
